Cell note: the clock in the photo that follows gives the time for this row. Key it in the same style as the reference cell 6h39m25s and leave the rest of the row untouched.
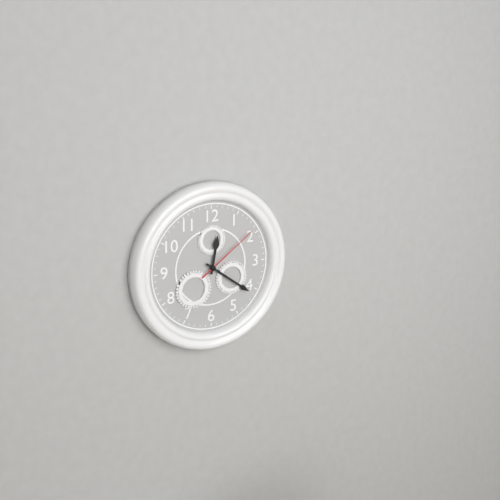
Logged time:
12h21m09s
